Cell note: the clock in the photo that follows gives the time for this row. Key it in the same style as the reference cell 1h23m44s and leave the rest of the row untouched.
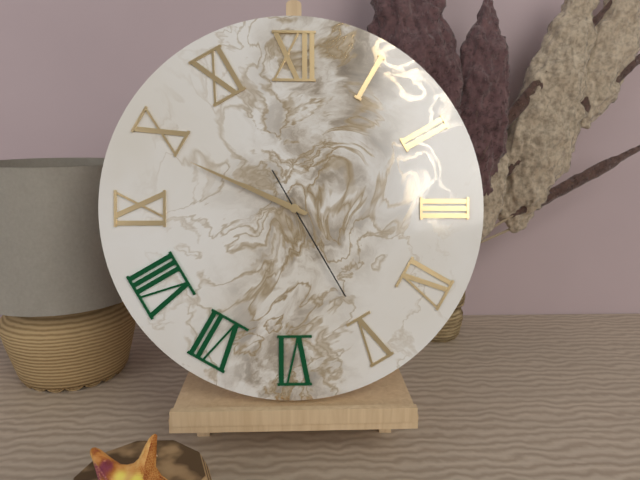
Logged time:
9h49m25s
